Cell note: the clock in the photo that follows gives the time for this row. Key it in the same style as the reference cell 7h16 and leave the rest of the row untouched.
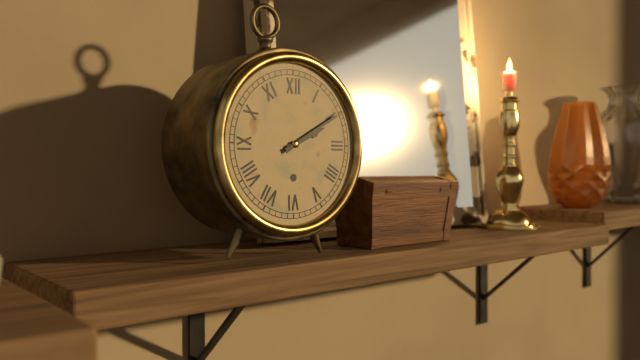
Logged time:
2h10
